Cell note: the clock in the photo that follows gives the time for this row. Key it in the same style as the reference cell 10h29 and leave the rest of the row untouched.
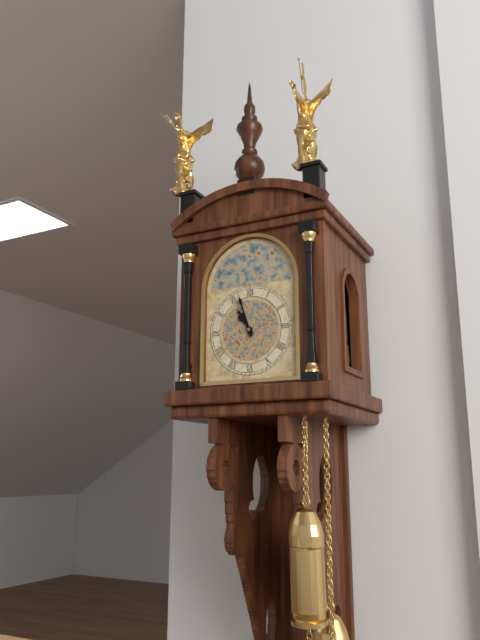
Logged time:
10h57
